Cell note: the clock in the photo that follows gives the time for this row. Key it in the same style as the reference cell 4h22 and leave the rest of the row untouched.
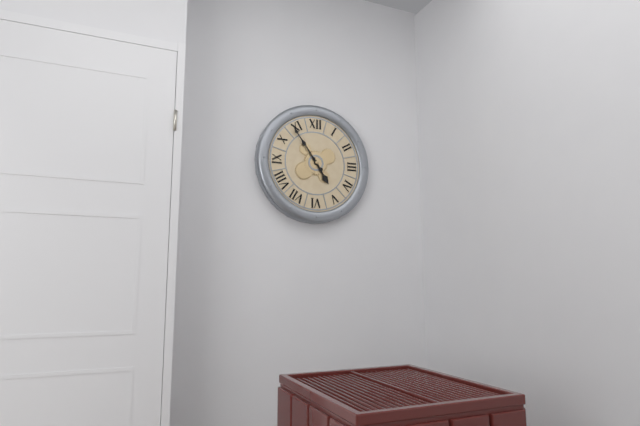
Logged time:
4h54
